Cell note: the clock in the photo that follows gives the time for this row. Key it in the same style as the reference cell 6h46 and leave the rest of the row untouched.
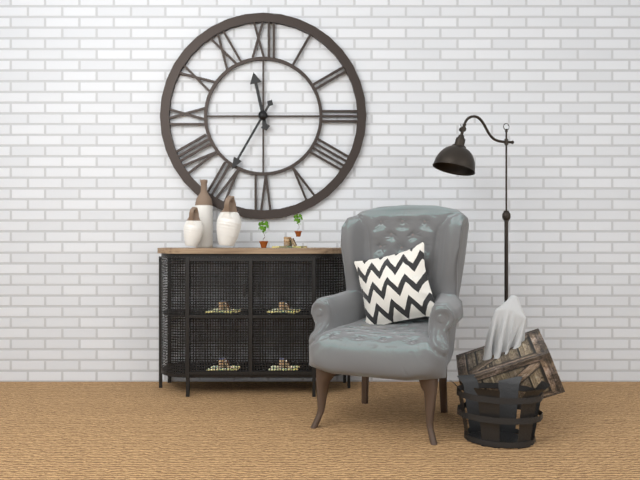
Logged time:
11h35
